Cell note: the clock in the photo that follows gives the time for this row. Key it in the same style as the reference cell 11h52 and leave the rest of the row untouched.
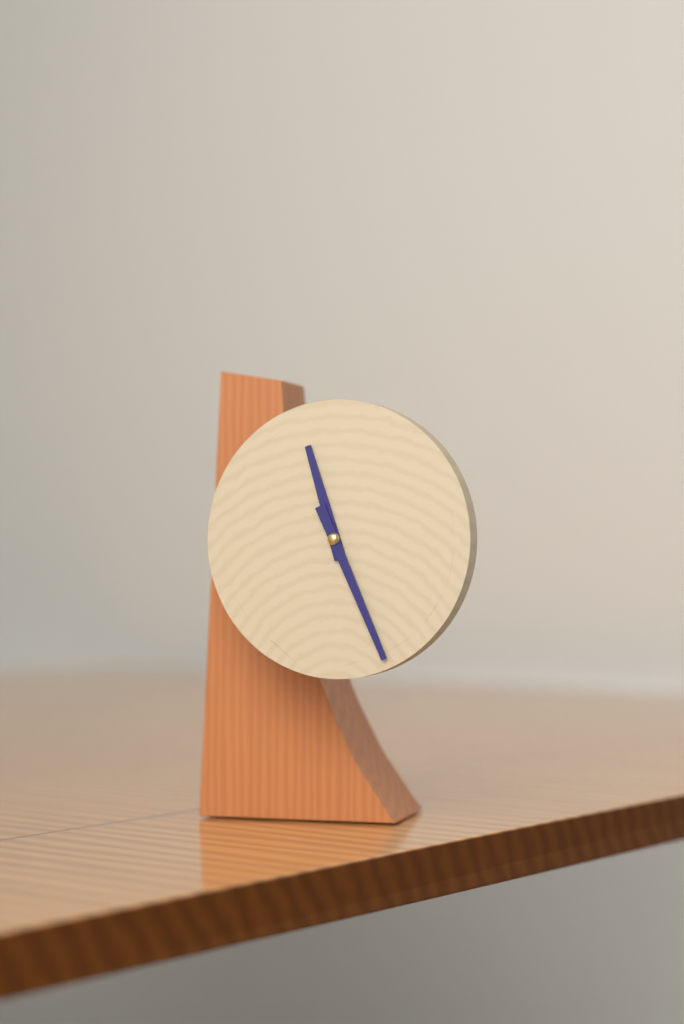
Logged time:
11h26
